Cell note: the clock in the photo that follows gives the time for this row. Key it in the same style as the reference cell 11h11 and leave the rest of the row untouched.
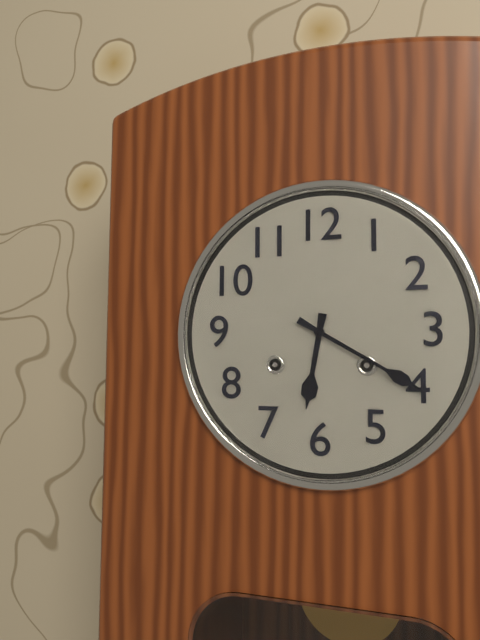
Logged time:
6h20
